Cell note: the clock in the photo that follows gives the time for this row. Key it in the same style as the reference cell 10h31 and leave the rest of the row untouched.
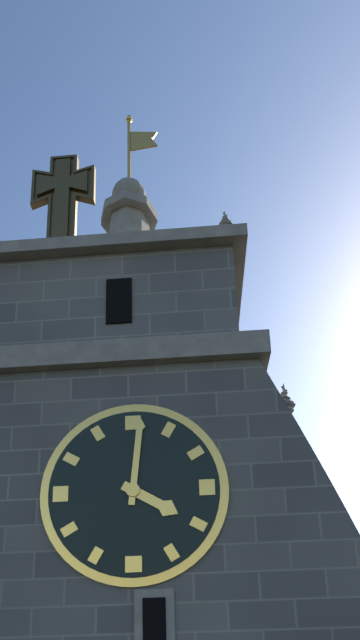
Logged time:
4h01
